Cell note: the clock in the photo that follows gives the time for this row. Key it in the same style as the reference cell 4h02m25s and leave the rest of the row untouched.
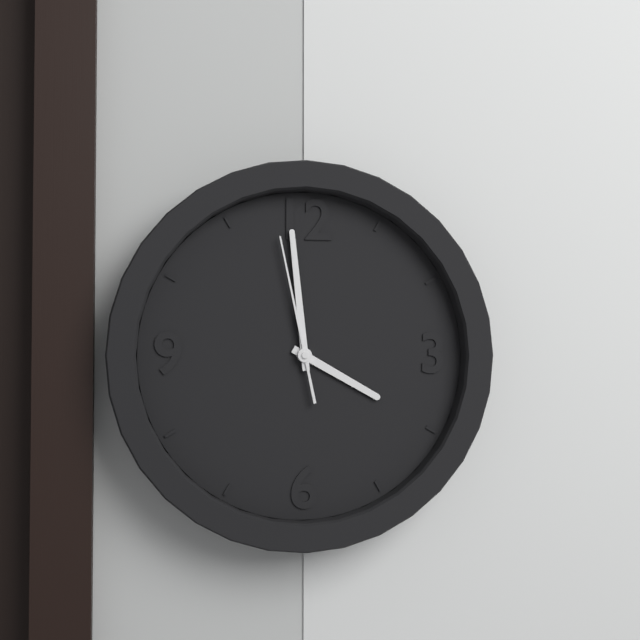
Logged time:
3h59m58s
